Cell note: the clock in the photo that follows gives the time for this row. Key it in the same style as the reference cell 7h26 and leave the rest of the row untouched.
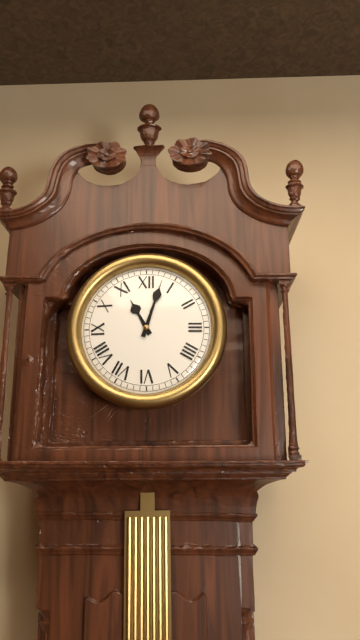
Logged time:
11h03
